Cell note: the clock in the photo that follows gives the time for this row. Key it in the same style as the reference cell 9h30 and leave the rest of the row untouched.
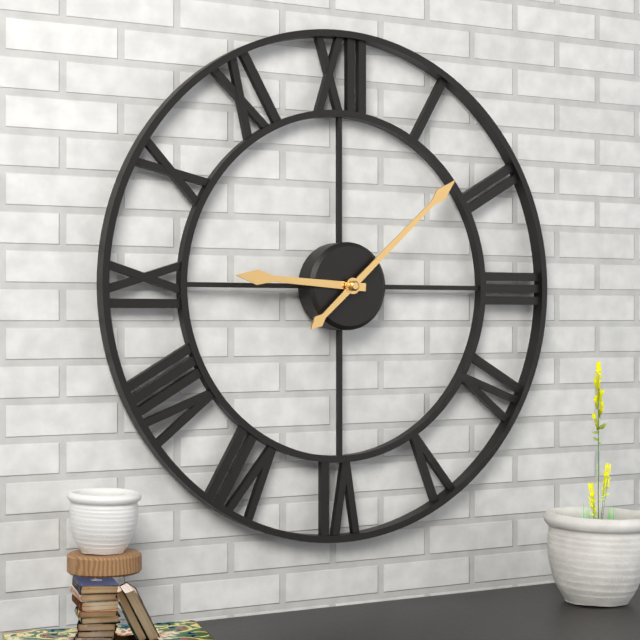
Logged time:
9h08
